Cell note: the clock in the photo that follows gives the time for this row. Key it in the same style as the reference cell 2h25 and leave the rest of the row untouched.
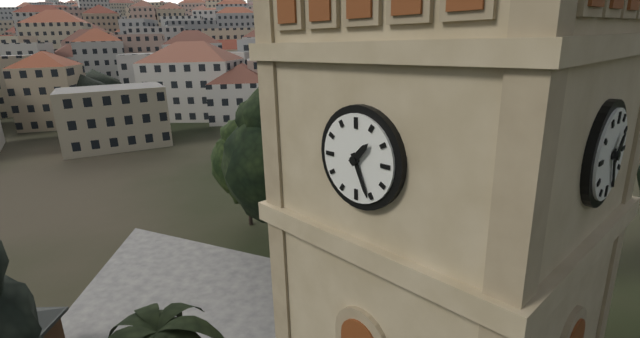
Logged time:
1h26
